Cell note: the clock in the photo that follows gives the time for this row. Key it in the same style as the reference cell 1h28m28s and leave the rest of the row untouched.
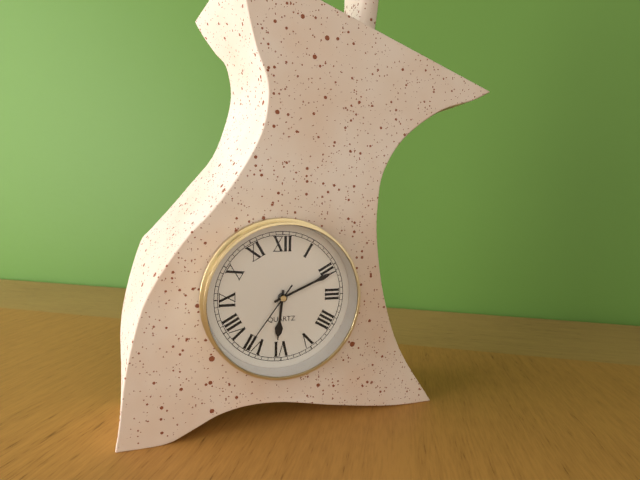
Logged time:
6h11m36s
